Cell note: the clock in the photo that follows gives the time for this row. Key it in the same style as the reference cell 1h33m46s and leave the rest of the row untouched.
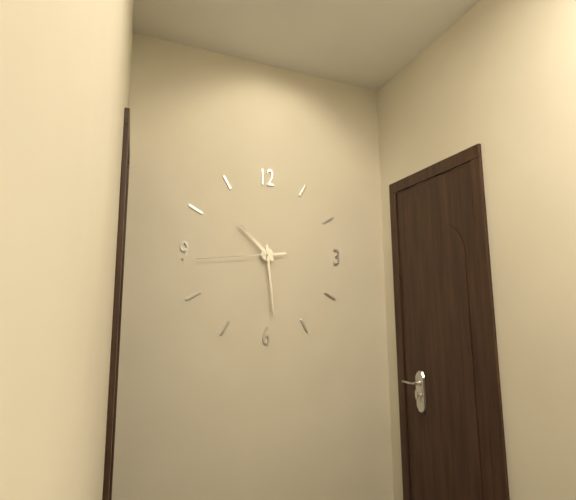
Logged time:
10h29m44s
